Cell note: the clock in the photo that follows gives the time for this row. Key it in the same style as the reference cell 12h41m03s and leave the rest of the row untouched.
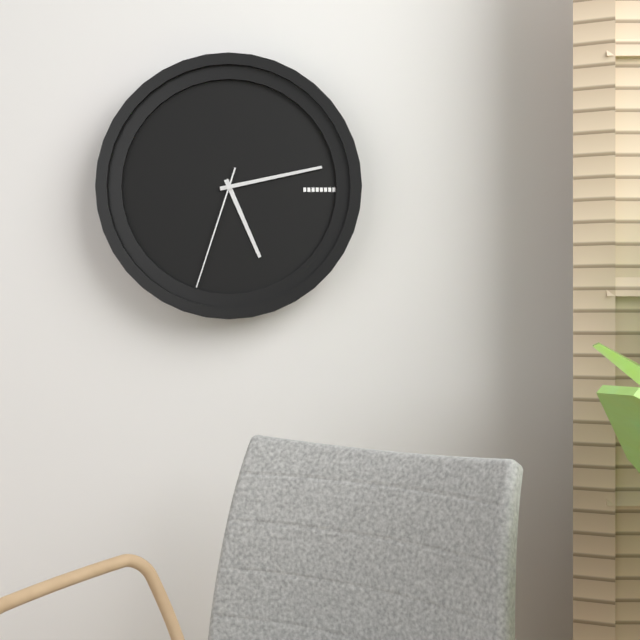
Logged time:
5h13m33s
